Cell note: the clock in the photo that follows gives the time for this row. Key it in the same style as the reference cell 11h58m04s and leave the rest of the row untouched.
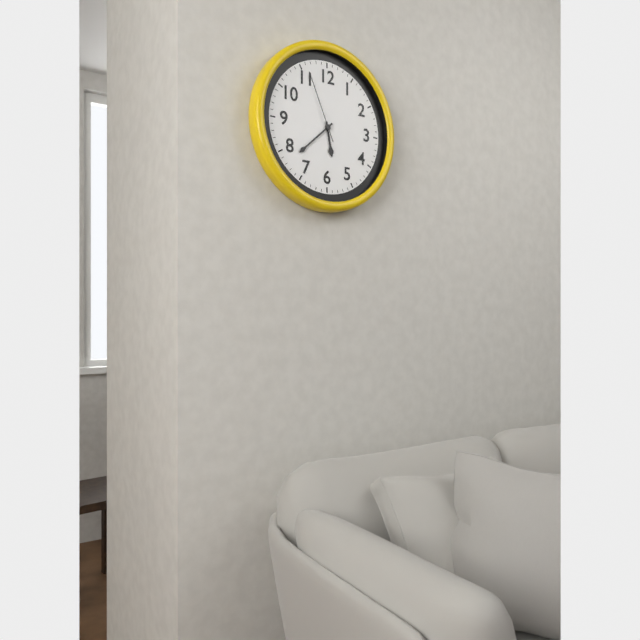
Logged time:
5h38m56s
